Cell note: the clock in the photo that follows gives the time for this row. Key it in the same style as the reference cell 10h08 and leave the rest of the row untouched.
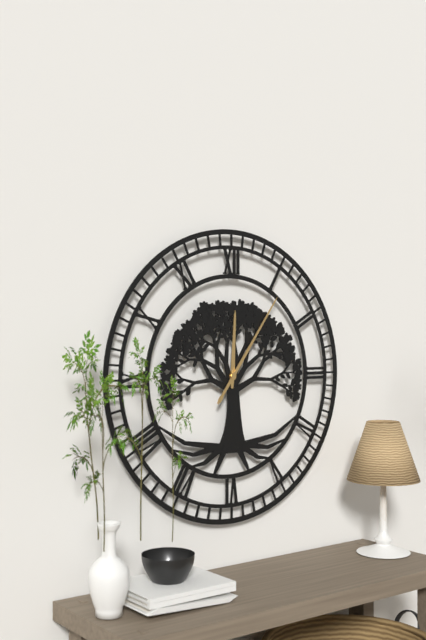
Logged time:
12h06
